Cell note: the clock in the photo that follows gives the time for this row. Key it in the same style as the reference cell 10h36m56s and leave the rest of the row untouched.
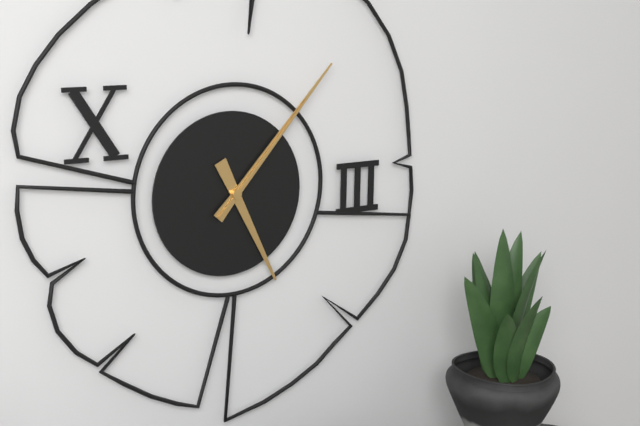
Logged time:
5h07m07s
